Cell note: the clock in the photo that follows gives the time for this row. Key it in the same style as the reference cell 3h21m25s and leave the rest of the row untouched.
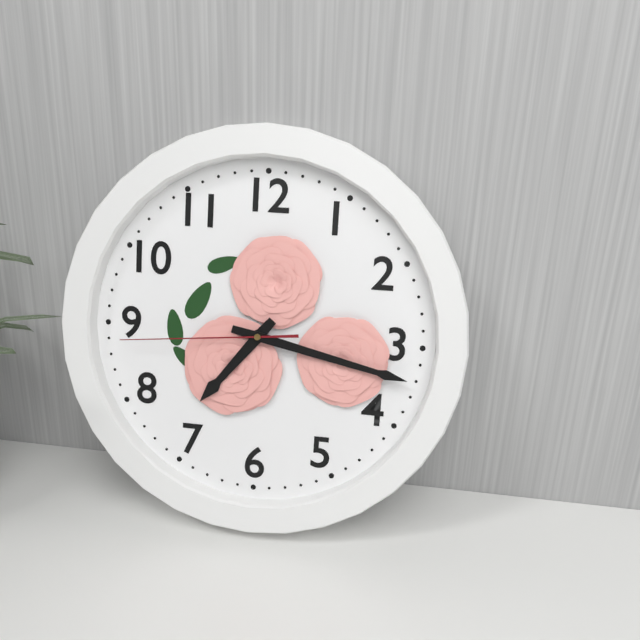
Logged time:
7h17m44s
